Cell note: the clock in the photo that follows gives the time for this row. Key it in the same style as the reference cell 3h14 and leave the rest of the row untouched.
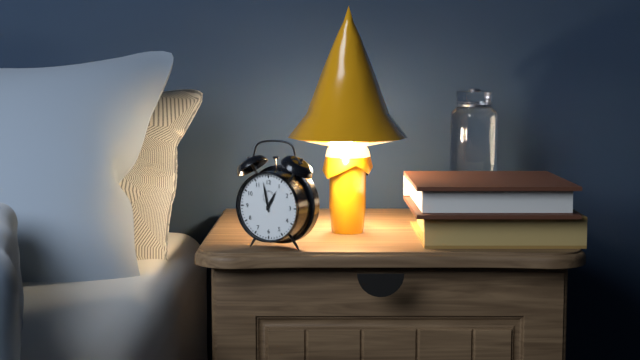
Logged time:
12h58
